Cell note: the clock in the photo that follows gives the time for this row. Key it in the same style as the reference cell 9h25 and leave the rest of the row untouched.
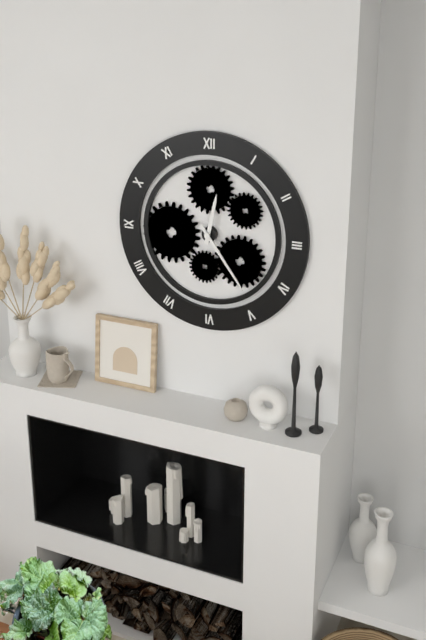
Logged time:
12h24
